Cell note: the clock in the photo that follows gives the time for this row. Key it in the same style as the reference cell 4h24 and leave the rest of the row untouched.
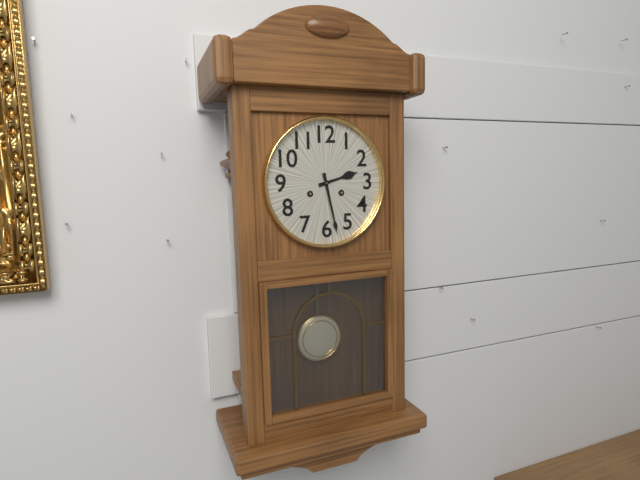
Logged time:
2h28
